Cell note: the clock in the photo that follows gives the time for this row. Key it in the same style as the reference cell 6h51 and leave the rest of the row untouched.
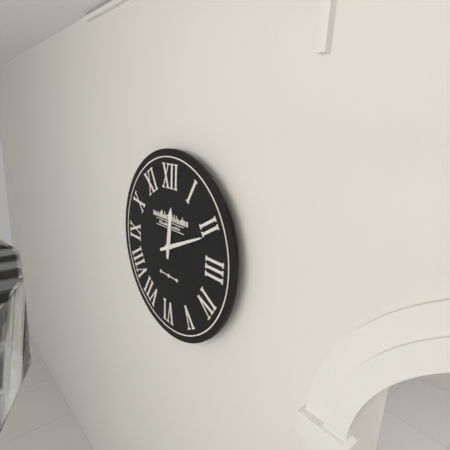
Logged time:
12h11
